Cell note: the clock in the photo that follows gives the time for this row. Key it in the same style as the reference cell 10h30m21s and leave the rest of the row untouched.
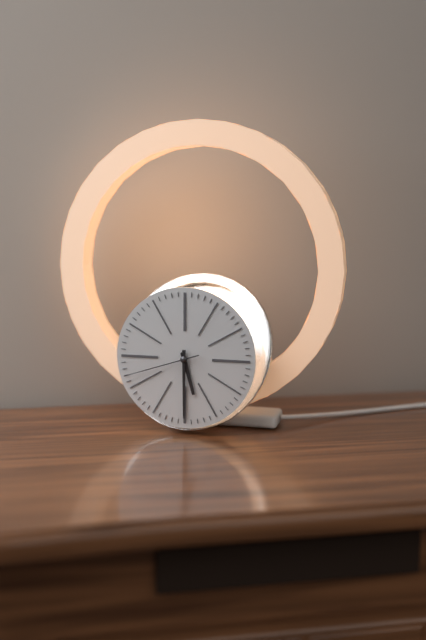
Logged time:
5h30m42s
